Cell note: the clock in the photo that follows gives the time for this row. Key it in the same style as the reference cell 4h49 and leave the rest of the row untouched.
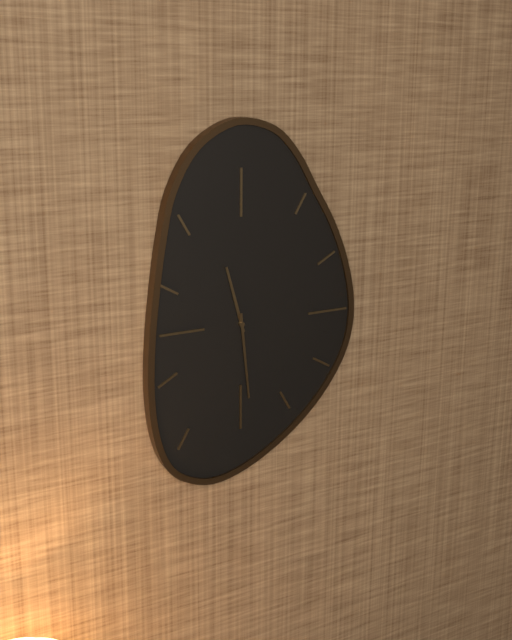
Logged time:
11h29
